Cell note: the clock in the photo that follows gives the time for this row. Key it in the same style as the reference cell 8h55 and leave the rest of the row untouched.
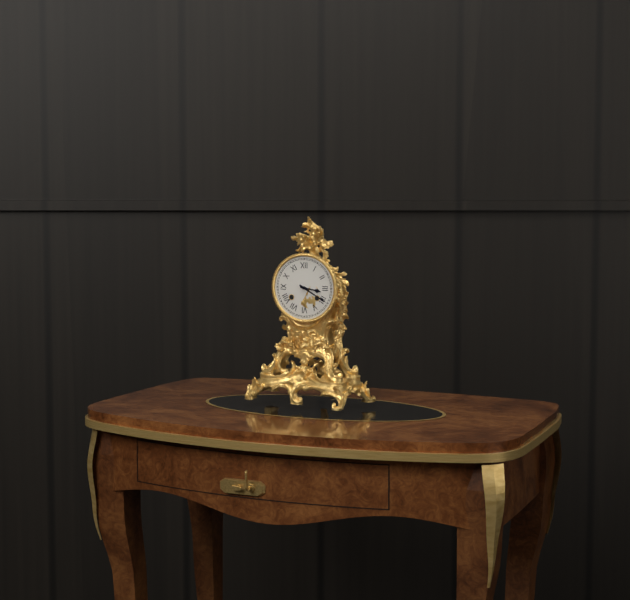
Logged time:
3h20
